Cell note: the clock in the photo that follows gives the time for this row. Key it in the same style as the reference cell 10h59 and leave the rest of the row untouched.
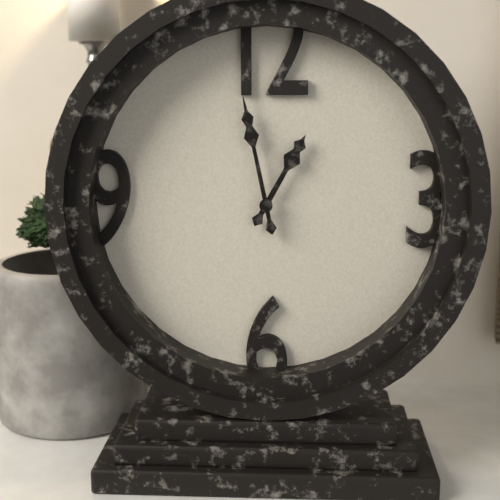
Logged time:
12h58
